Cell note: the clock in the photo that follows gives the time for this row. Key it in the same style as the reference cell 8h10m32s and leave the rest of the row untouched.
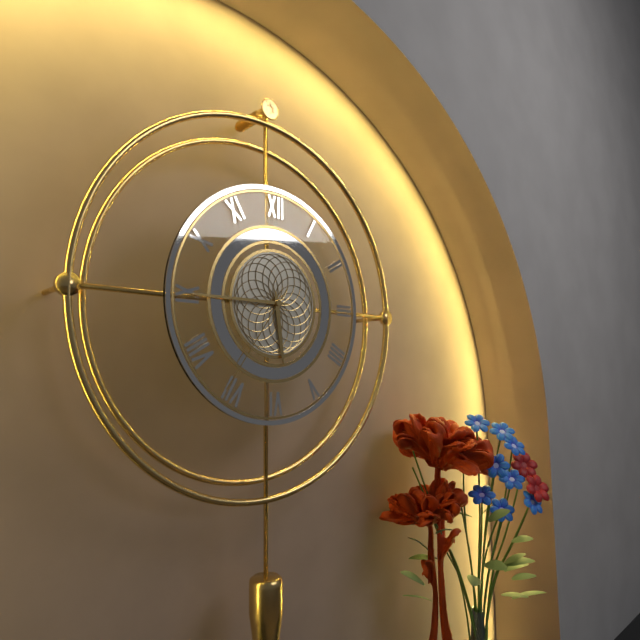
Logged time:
5h45m36s
